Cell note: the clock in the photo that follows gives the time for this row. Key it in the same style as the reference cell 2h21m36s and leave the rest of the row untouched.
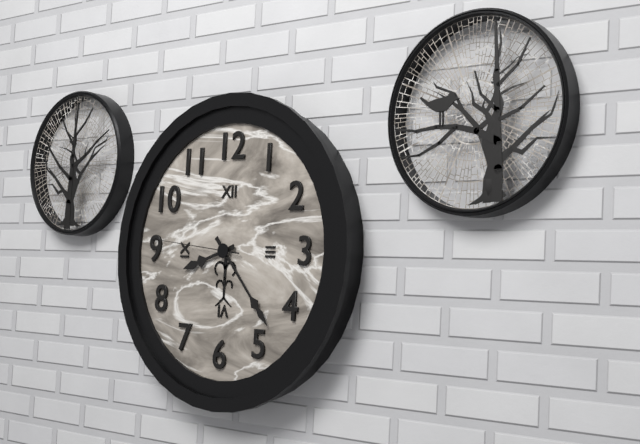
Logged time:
8h23m46s
